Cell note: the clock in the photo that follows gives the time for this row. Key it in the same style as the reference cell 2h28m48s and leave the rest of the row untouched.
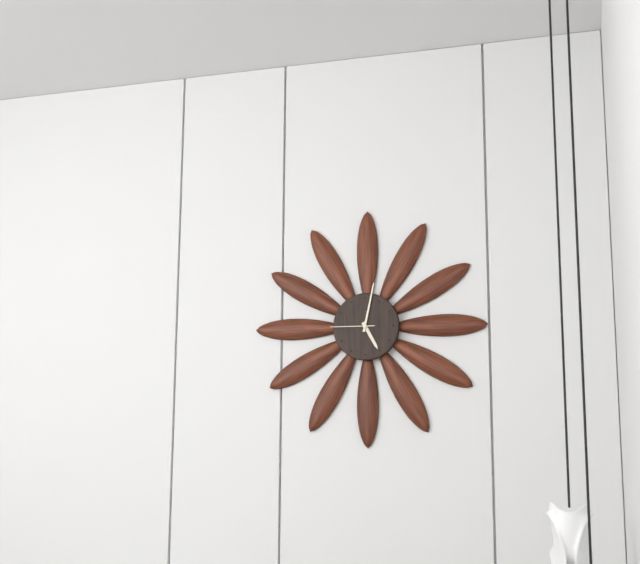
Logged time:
5h02m45s
